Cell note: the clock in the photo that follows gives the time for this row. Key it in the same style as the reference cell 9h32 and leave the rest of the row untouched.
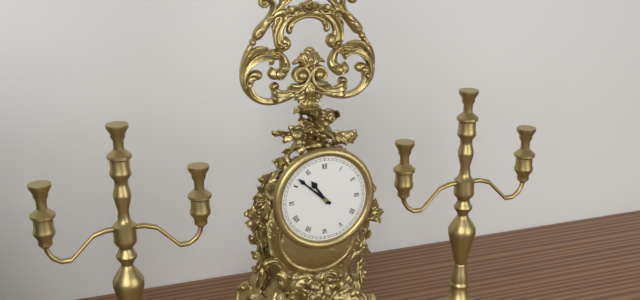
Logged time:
10h52
